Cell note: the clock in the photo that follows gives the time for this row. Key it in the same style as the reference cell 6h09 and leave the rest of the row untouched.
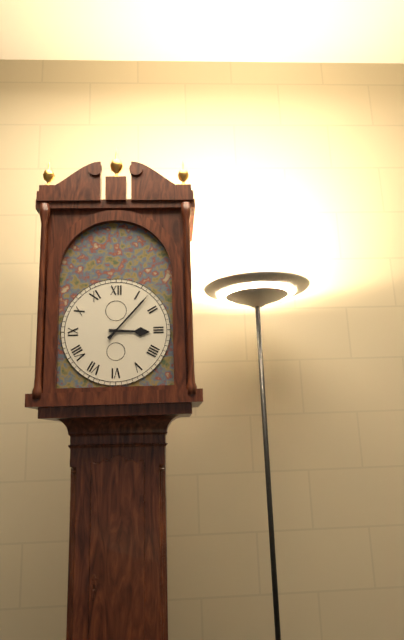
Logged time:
3h07
